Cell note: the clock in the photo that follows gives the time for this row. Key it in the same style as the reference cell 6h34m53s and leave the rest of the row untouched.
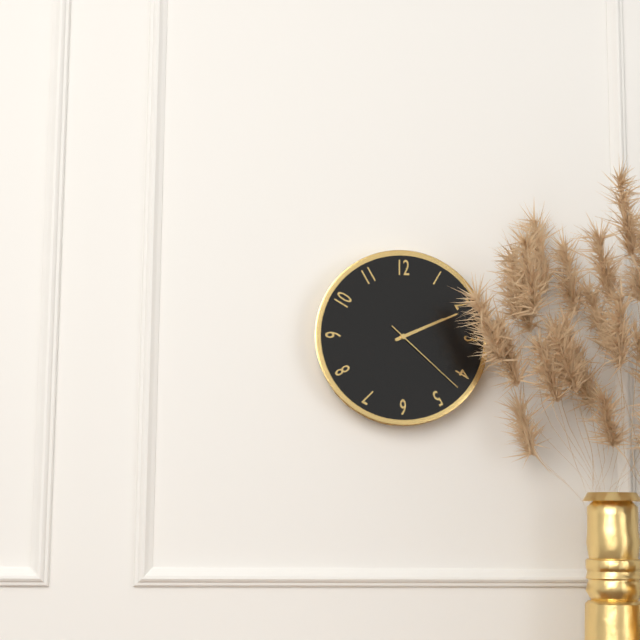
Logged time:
2h11m22s
